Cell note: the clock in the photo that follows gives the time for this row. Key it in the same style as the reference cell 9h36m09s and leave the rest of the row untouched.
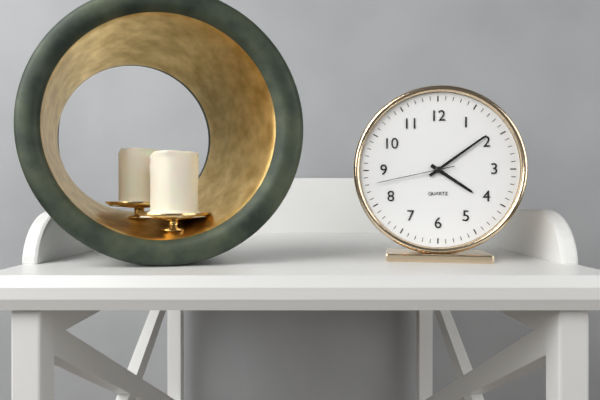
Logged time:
4h09m43s
